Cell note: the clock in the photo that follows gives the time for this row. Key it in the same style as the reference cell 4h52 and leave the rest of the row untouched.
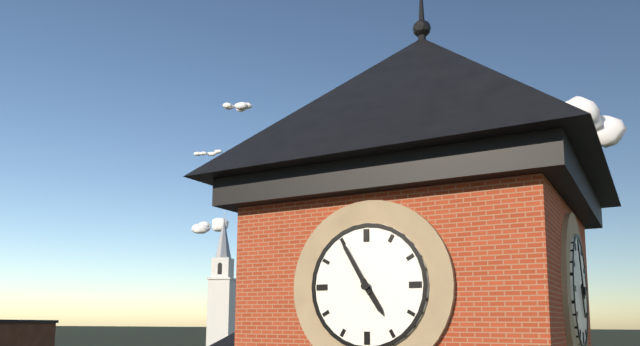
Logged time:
4h55
